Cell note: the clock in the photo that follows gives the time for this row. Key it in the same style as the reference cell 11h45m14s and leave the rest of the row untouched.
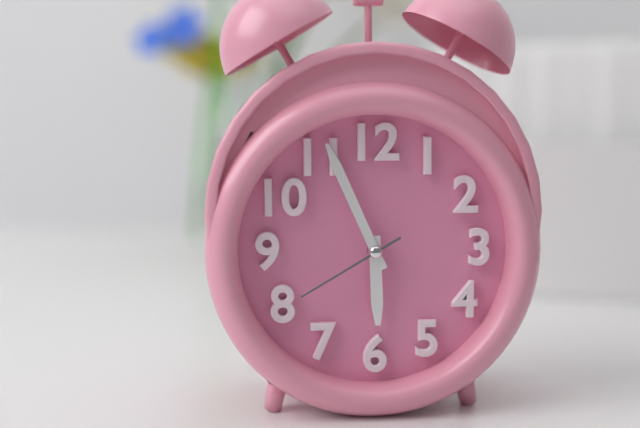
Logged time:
5h56m40s
